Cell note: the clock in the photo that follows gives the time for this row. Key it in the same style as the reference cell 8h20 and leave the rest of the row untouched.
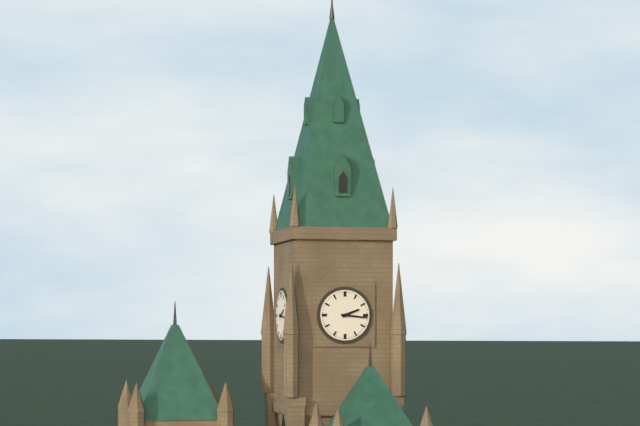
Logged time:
2h16
